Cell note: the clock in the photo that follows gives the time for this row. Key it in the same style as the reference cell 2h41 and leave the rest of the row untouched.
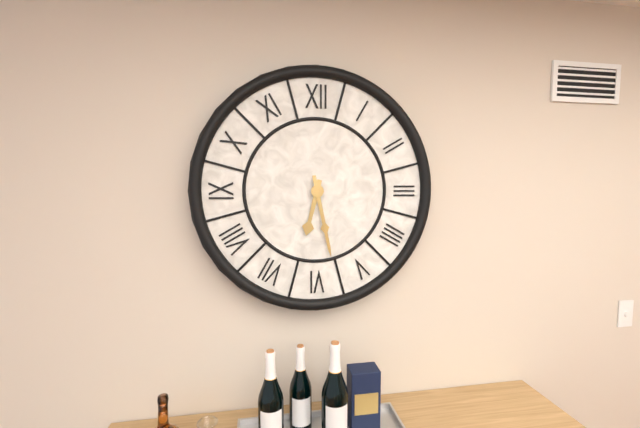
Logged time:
6h28
